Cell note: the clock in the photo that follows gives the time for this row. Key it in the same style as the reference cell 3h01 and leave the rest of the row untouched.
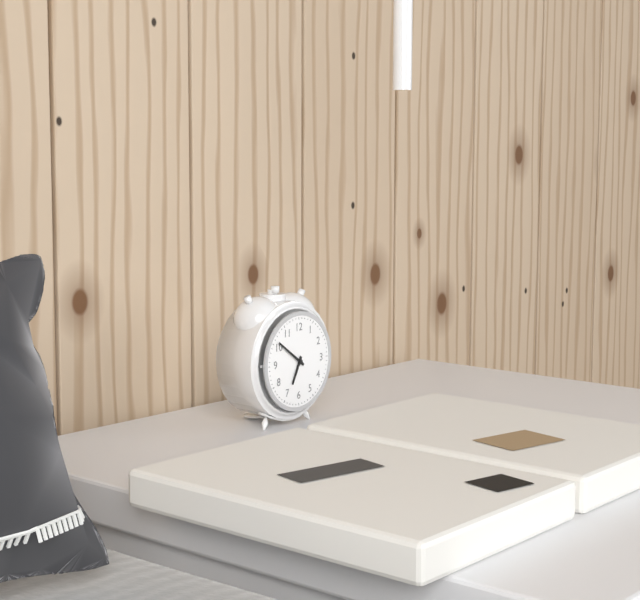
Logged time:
6h51
